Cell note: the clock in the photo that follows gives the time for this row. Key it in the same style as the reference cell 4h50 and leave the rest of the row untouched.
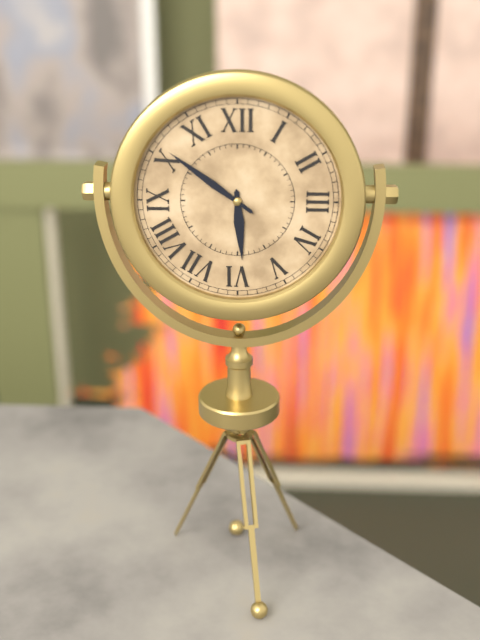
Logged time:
5h51
